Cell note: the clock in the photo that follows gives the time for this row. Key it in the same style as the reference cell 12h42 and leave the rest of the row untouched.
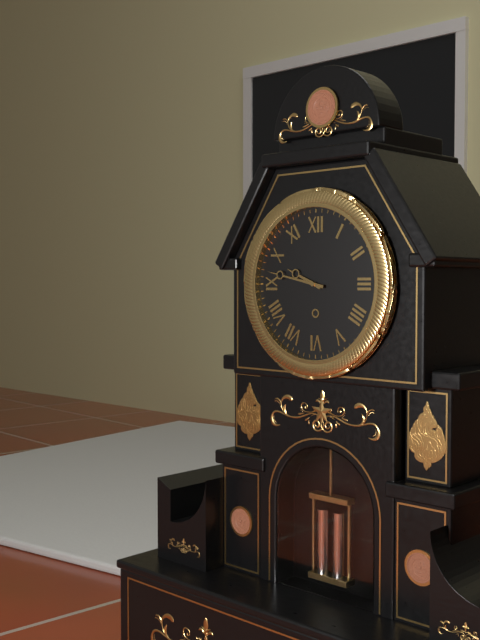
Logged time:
9h47
